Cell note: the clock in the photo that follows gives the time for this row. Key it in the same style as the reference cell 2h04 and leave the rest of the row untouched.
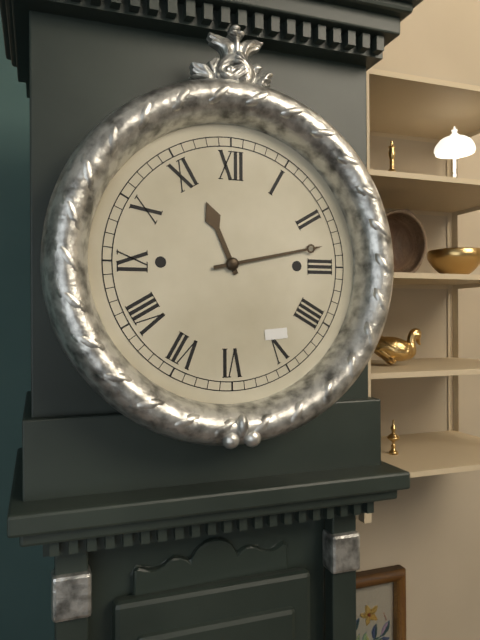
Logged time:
11h13
